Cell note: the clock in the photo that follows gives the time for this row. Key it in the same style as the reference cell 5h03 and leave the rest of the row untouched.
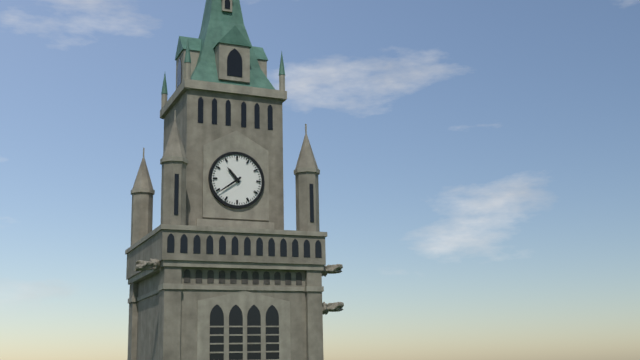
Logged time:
10h39
